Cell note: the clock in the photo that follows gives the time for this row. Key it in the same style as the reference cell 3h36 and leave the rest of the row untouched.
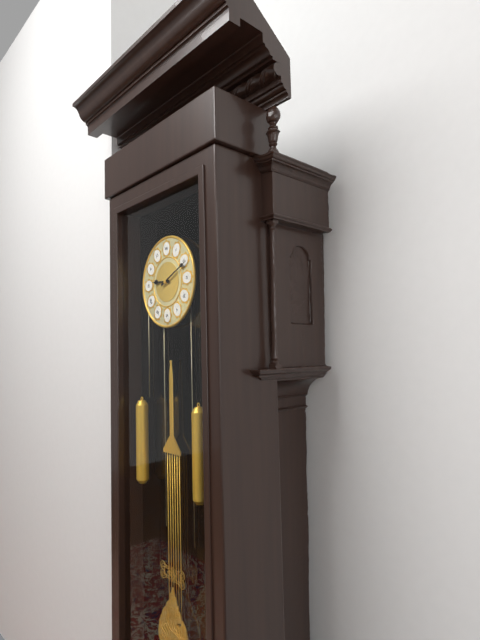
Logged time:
9h11
